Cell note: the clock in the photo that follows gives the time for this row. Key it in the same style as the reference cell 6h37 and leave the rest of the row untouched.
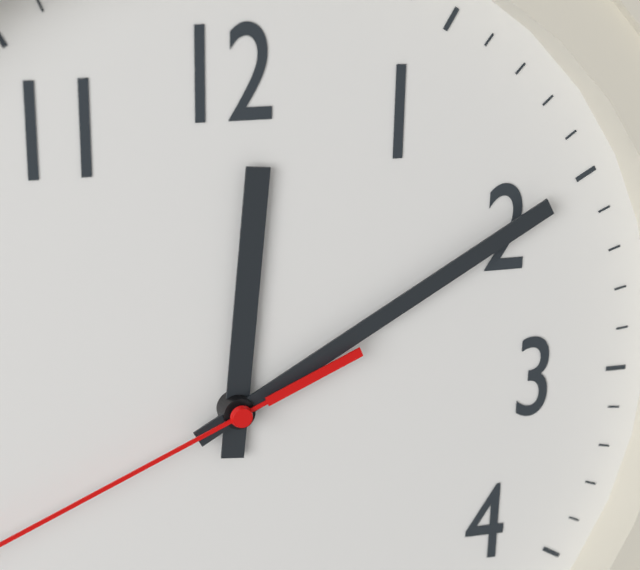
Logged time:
12h10
